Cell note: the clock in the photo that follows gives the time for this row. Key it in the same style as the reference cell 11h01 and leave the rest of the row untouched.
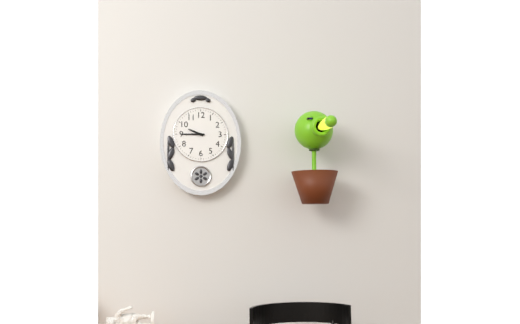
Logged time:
9h45
